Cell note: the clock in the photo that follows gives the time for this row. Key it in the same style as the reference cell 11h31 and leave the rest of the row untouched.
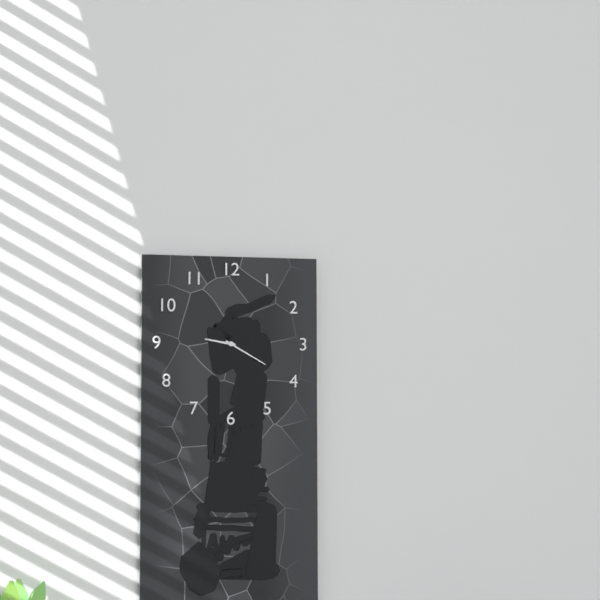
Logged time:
9h20
